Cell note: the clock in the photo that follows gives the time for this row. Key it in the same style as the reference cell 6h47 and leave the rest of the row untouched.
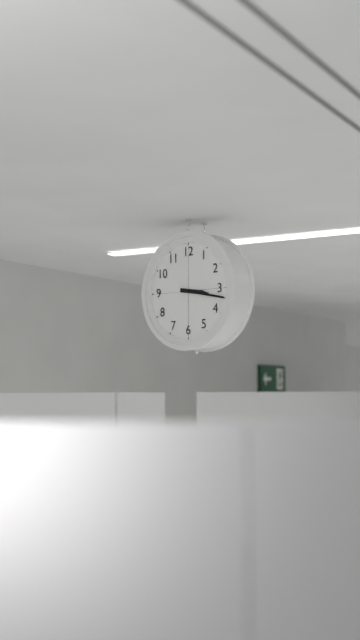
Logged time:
3h17
